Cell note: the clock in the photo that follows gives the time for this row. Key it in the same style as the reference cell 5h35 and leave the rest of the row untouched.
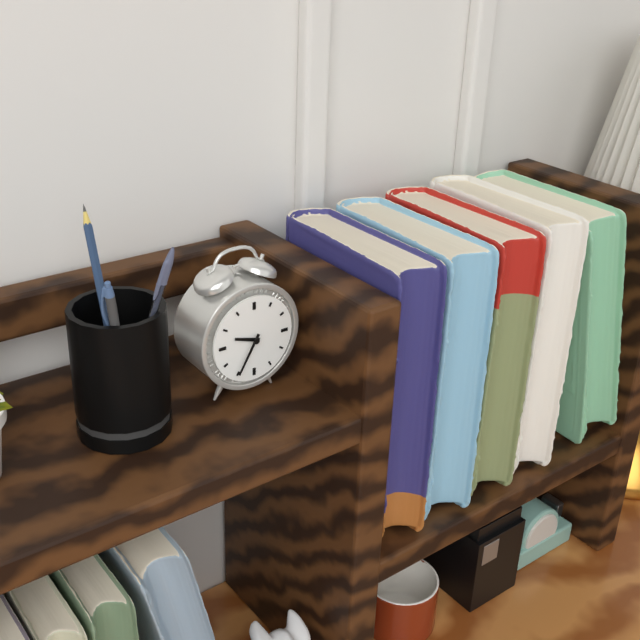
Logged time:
9h35
